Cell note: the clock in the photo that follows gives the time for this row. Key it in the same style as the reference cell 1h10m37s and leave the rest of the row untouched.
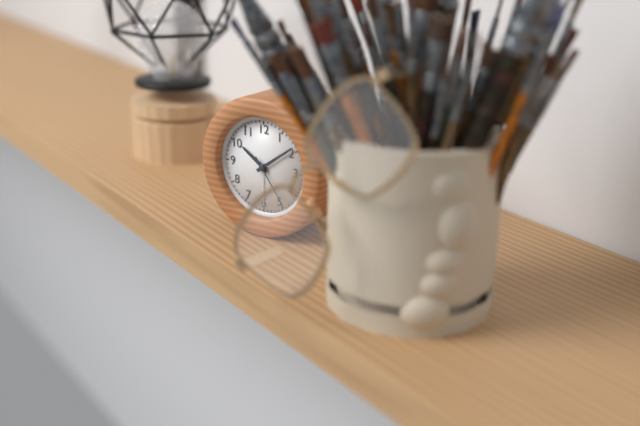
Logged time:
10h09m24s
